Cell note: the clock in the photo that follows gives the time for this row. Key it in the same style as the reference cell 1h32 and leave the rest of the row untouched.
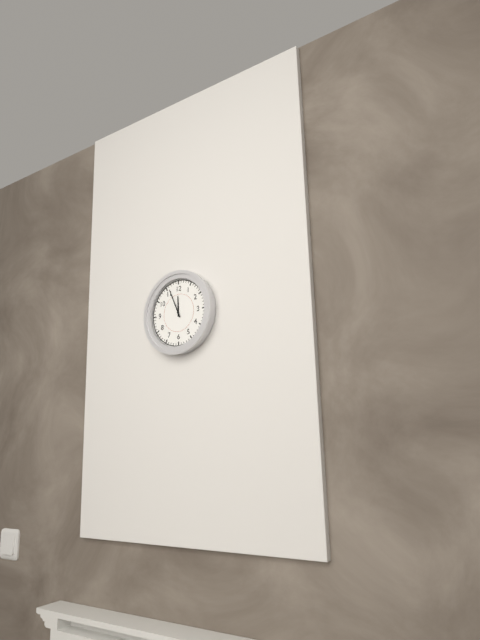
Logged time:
11h56
